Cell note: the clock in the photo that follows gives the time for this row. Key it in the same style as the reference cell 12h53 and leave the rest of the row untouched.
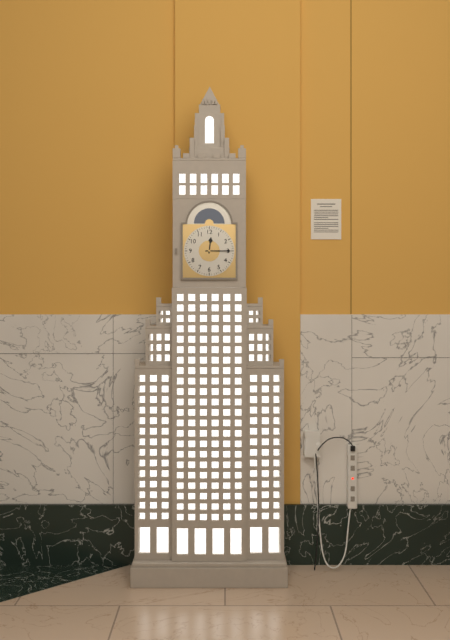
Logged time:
12h15
